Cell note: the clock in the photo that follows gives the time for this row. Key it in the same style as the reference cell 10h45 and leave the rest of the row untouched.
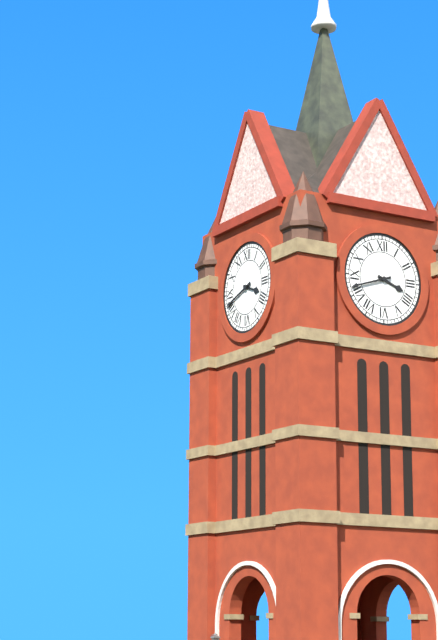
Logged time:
3h42
